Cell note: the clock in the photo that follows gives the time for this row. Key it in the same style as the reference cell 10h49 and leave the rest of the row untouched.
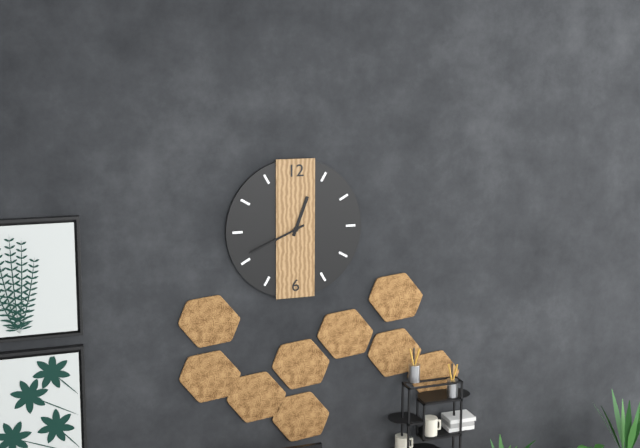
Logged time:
12h41
